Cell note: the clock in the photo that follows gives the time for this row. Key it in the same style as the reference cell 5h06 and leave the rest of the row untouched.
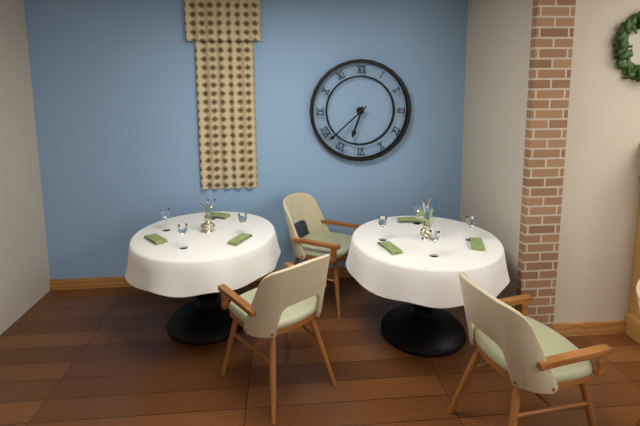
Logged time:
6h38
